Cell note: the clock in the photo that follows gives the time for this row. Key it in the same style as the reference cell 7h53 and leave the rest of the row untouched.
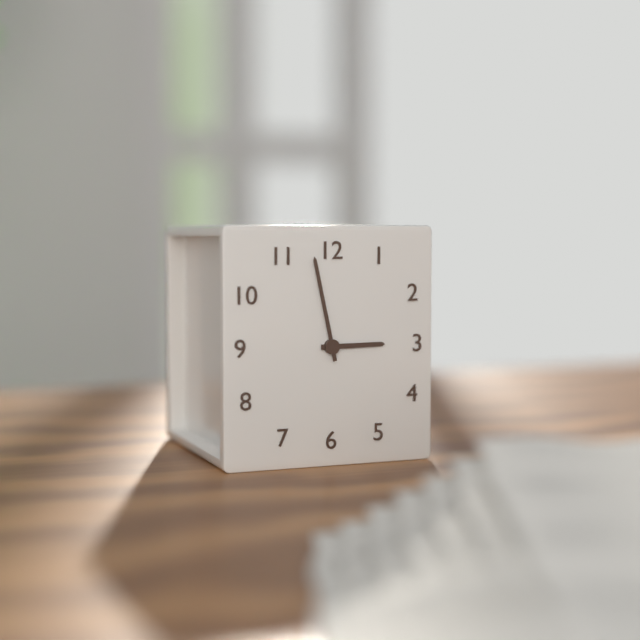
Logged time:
2h58
